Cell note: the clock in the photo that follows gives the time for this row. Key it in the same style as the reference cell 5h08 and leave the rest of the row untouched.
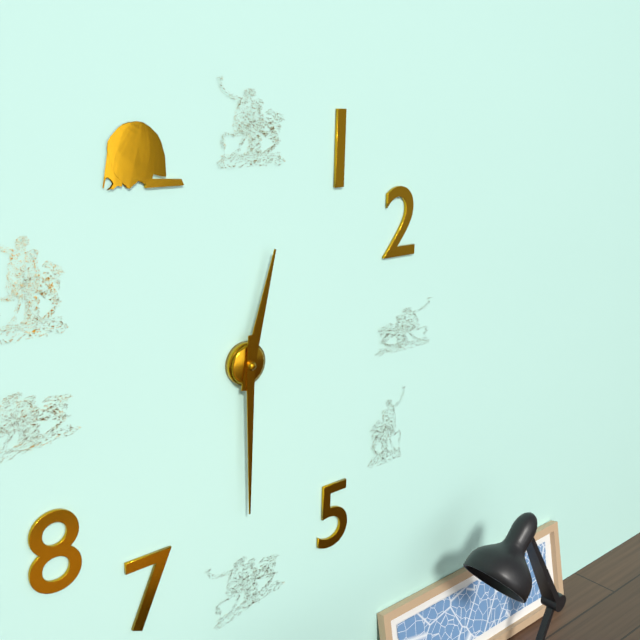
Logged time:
12h30
